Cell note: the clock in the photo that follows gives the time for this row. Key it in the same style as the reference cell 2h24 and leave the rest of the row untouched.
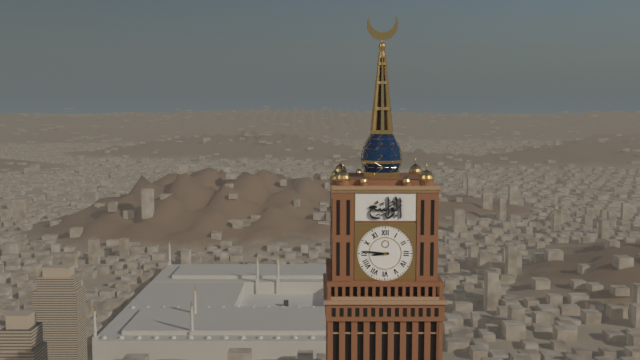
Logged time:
8h46
